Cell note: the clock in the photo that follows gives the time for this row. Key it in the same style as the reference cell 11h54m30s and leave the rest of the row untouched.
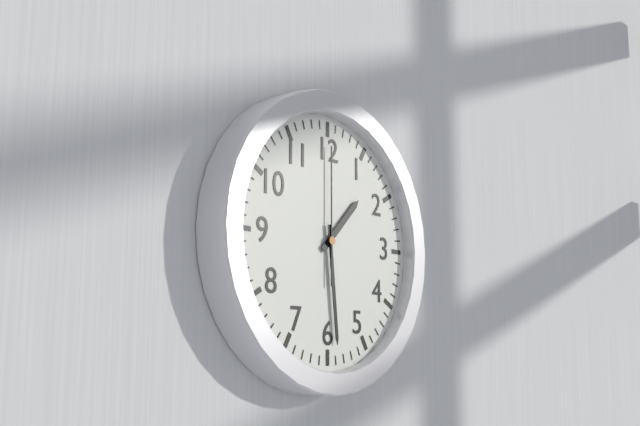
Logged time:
1h29m00s
